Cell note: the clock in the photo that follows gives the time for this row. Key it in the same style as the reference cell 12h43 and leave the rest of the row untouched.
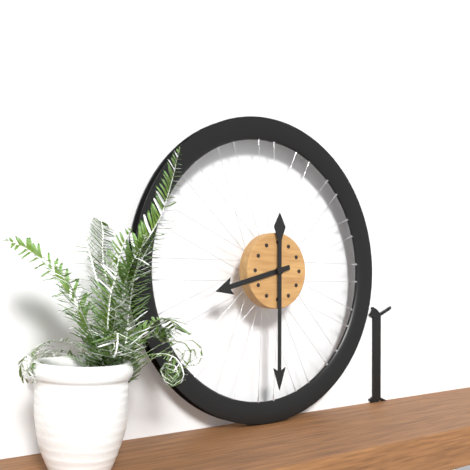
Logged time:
8h30
